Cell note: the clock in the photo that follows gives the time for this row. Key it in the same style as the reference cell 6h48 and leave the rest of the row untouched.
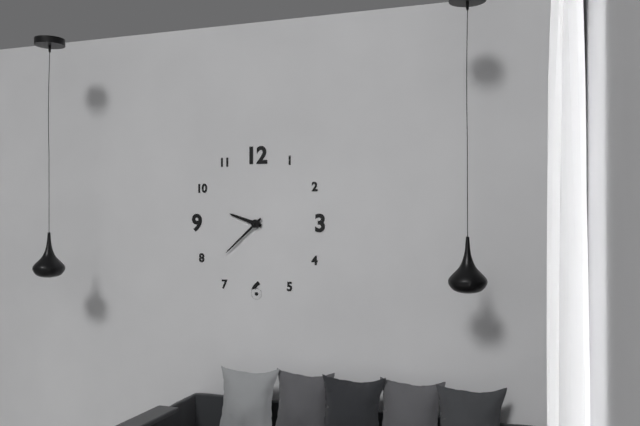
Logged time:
9h38
